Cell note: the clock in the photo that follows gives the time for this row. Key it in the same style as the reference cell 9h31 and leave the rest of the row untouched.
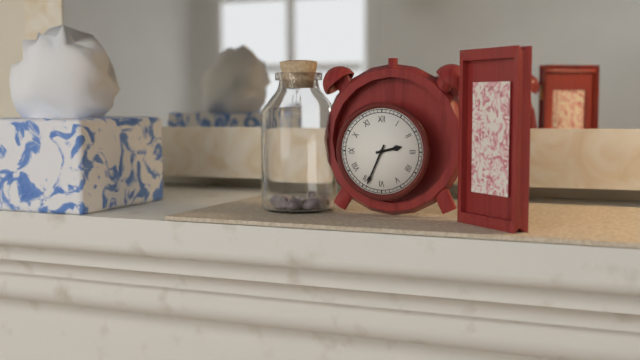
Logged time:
2h34
